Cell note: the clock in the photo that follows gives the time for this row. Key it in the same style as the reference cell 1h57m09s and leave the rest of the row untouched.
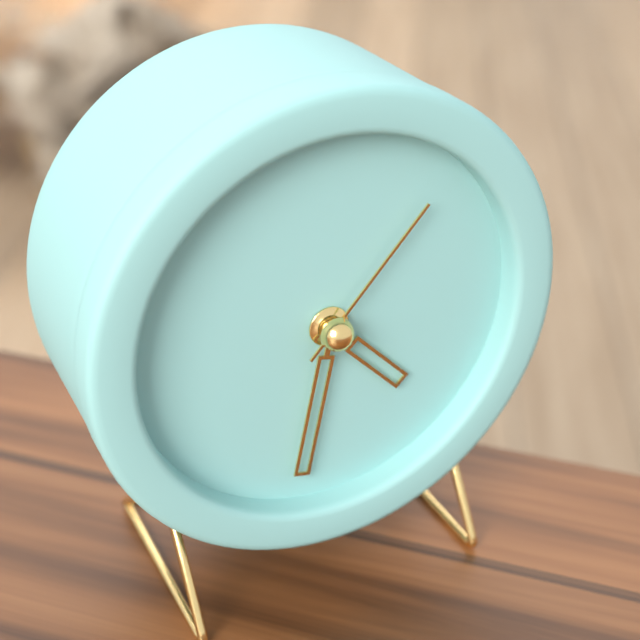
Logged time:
4h32m07s
